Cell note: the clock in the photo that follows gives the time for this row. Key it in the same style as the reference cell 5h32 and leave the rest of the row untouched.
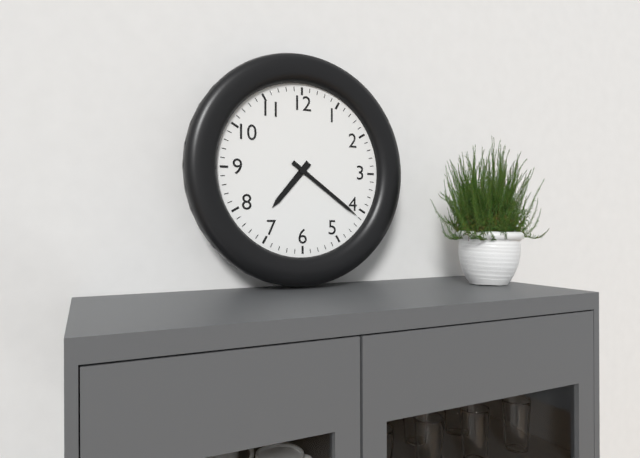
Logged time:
7h21
